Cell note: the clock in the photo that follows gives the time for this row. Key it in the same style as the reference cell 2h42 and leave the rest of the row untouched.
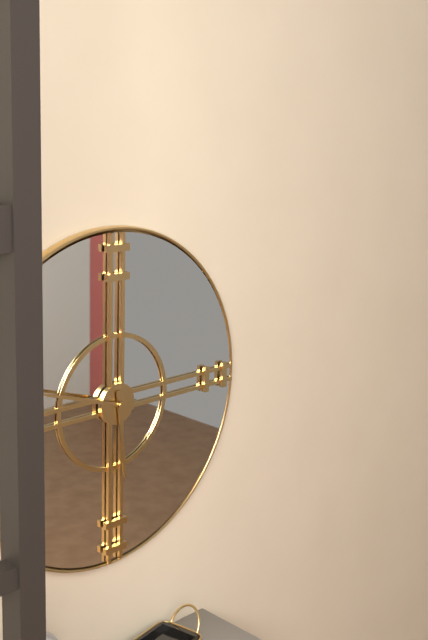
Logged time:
5h48
